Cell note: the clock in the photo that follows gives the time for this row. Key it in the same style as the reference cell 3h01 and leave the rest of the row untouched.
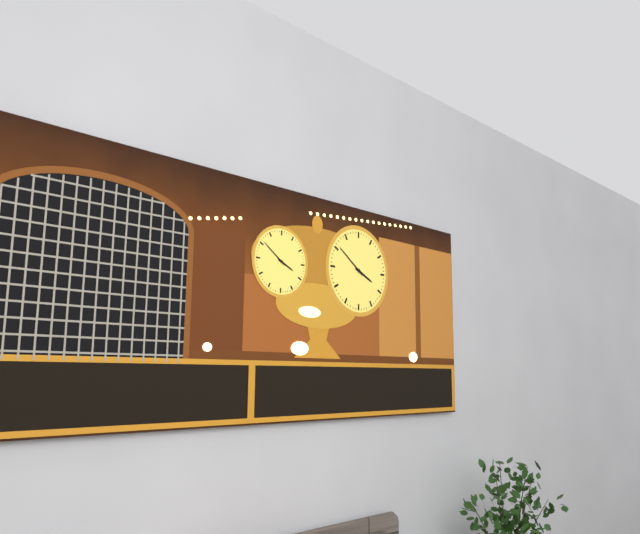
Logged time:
3h51
